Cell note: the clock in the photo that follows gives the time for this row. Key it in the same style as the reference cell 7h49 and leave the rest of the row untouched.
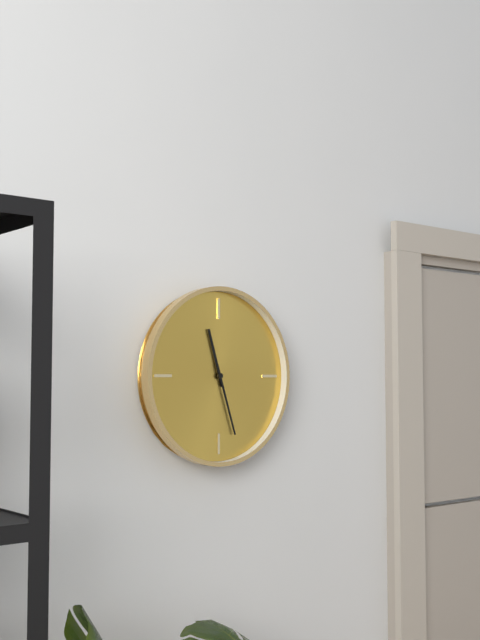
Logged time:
11h27
